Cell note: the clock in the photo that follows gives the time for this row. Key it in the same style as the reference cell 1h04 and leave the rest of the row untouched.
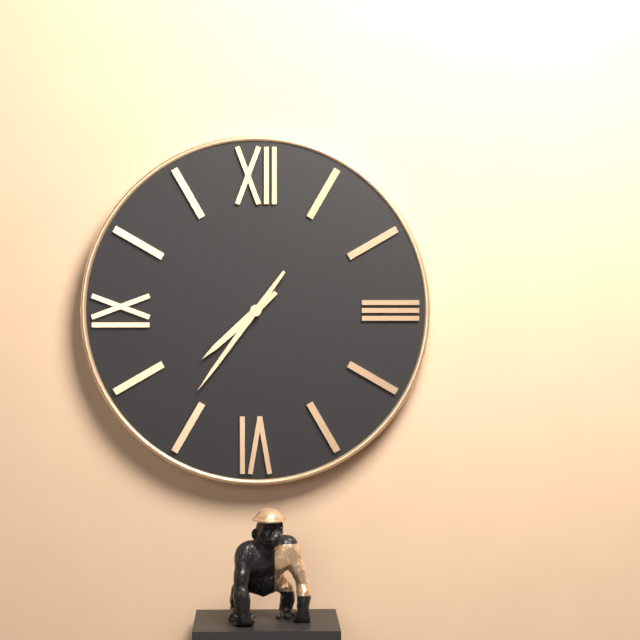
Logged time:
7h36
